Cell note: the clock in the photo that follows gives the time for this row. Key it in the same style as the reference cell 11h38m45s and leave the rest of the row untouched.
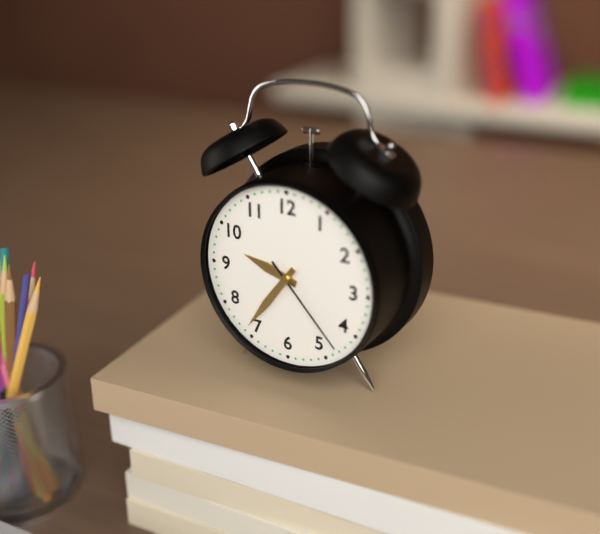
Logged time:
9h36m23s
